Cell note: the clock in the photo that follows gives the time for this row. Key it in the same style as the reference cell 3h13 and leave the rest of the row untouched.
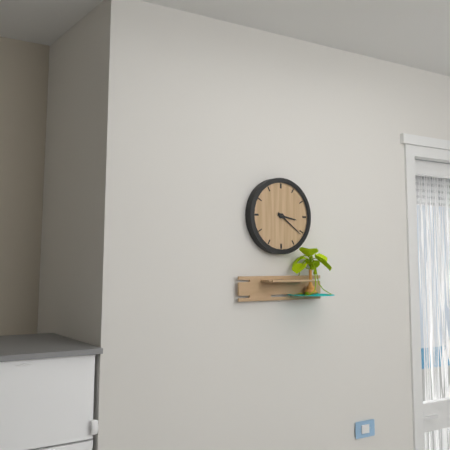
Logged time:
3h21
